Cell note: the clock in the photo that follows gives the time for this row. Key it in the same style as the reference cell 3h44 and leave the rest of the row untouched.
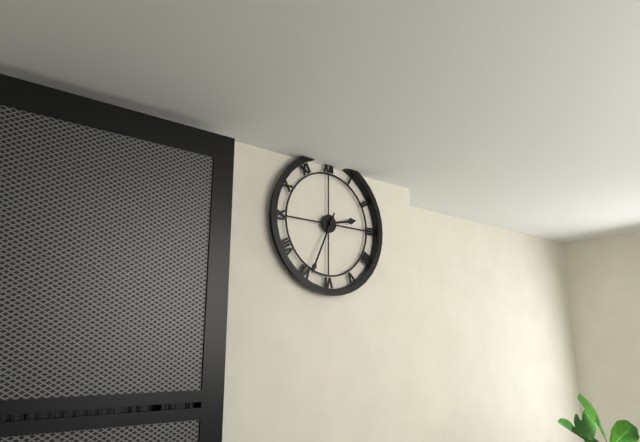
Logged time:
2h34
